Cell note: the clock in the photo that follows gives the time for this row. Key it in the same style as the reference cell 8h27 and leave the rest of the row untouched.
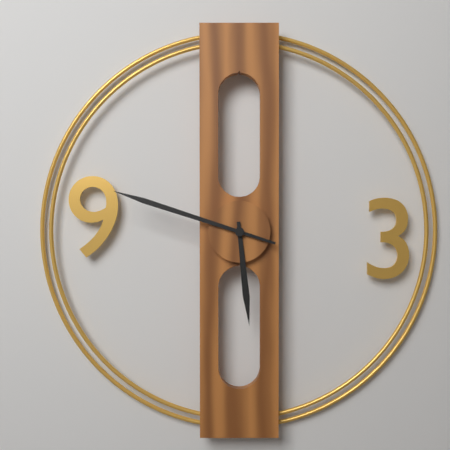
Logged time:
5h48
